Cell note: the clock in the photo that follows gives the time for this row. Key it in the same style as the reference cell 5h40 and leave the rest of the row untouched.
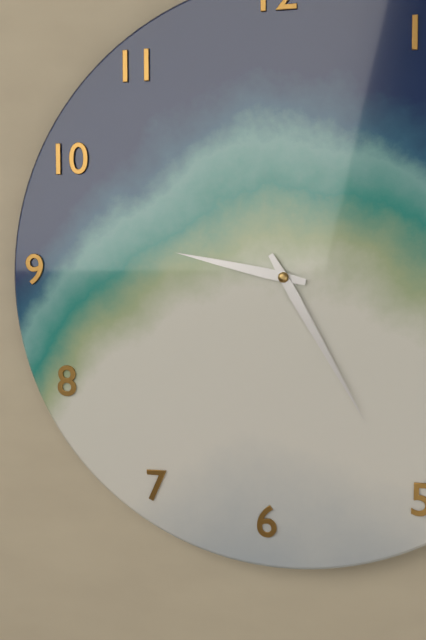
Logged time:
9h25
